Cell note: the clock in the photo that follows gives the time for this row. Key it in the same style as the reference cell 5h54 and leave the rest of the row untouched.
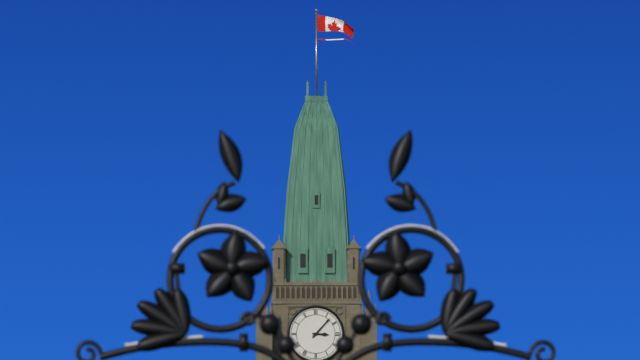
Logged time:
3h07
